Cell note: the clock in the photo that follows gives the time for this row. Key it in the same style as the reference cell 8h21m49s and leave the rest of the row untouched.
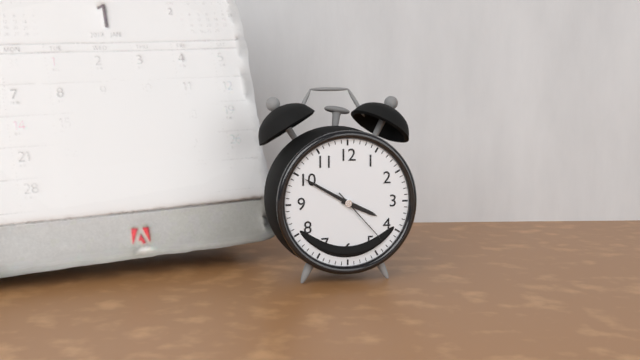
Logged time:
3h50m23s
